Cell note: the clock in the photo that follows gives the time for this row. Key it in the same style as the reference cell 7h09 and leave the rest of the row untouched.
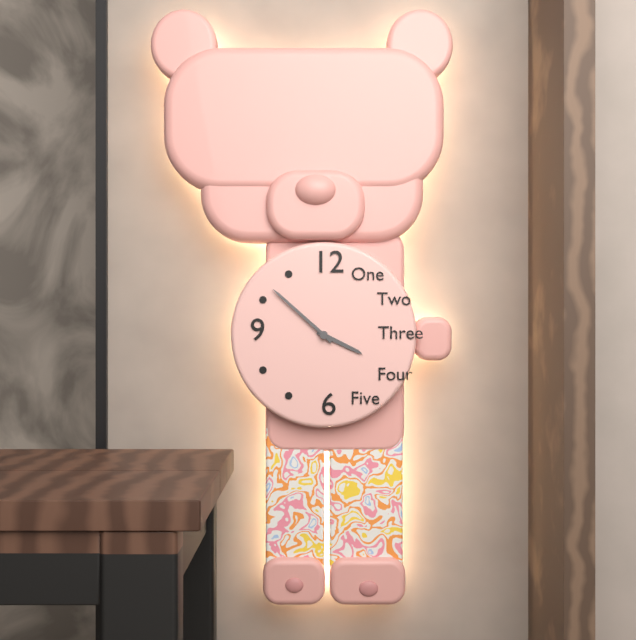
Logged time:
3h52
